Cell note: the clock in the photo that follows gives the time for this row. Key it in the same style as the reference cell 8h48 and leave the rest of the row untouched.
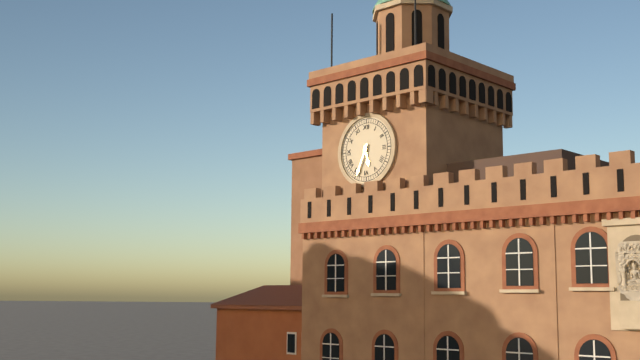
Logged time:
5h34
